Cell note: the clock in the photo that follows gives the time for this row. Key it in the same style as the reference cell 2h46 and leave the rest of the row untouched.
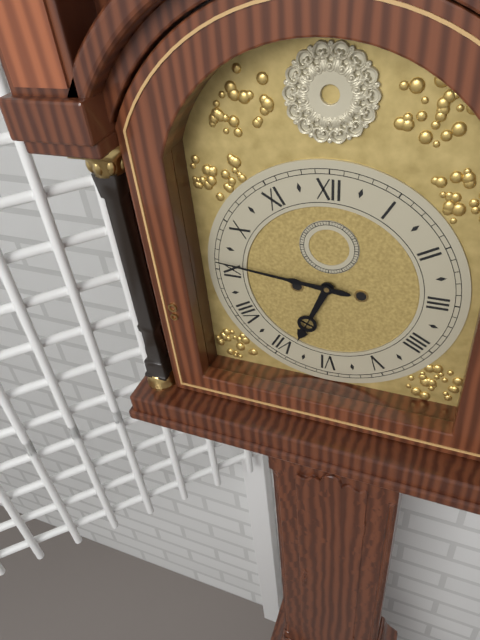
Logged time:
6h46
